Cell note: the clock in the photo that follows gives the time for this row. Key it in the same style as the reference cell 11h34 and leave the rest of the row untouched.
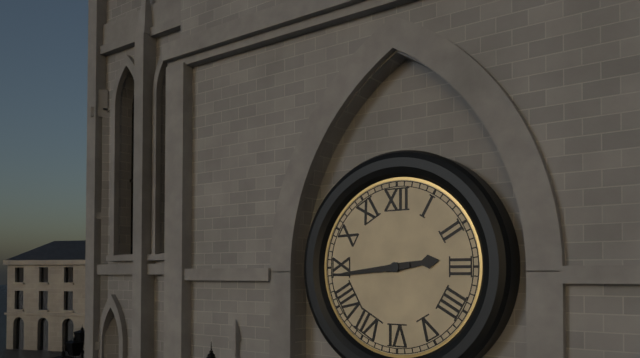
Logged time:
2h44
